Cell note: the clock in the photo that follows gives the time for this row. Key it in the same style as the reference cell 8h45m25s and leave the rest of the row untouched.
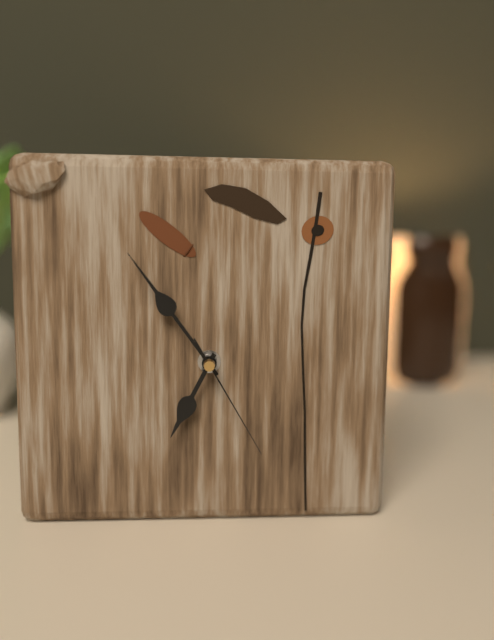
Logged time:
6h54m25s
